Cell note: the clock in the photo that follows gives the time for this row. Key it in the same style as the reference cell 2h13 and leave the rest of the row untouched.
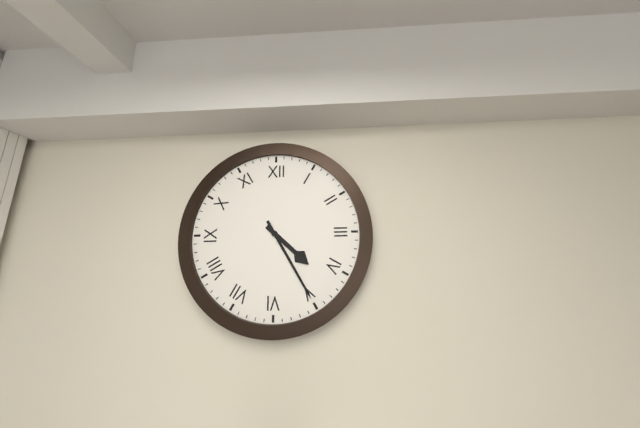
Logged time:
4h25
